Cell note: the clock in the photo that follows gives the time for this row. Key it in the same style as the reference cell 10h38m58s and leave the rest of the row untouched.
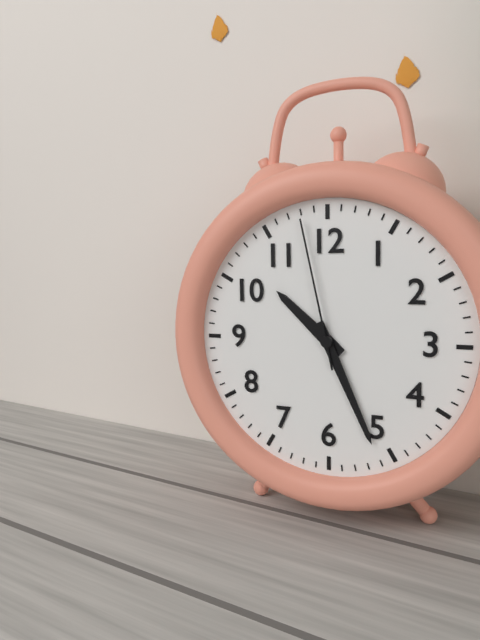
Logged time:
10h26m58s
